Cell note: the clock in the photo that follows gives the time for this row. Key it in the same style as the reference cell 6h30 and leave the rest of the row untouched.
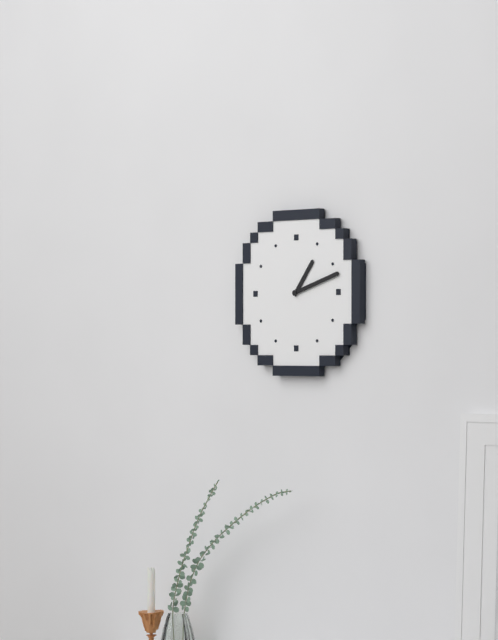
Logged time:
1h12
